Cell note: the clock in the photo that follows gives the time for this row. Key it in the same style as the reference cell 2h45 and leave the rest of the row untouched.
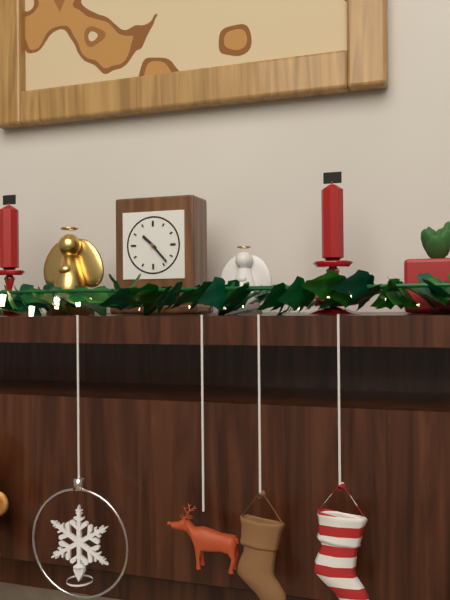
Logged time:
10h23
